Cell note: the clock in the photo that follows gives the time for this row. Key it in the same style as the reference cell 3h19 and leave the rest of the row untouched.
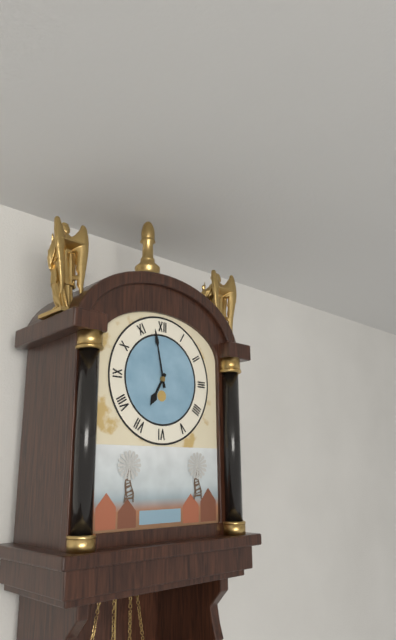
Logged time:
6h58
